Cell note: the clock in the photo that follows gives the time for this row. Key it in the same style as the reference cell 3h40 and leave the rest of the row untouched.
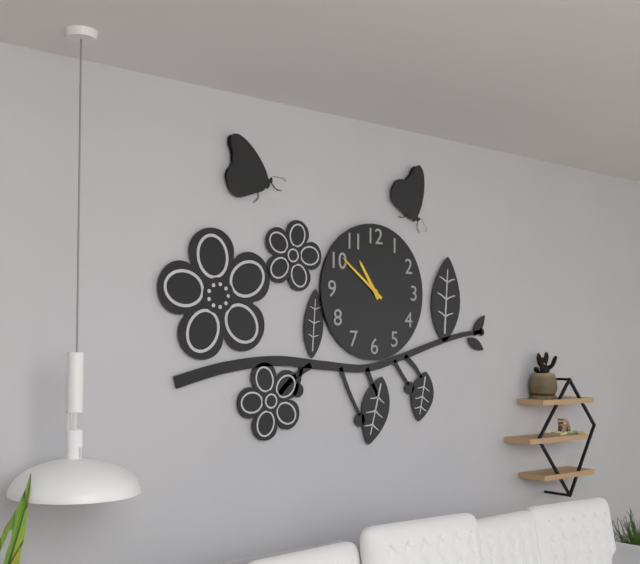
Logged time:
10h51
